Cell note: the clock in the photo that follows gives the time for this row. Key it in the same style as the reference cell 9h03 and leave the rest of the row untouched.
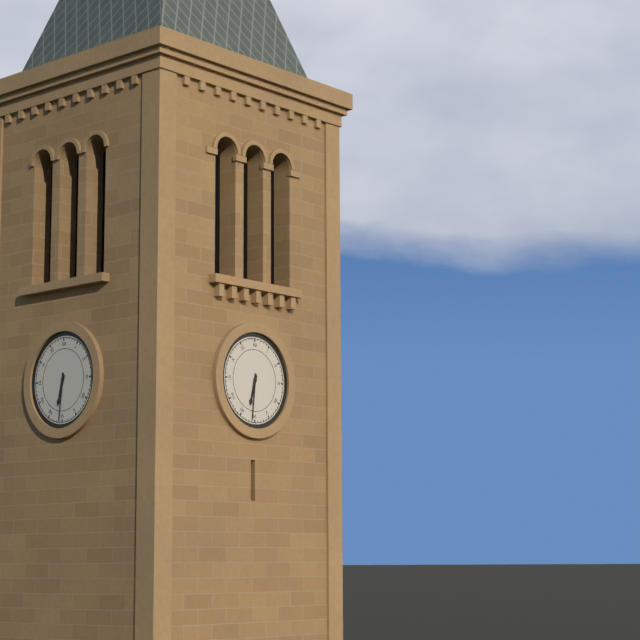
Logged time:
6h31
